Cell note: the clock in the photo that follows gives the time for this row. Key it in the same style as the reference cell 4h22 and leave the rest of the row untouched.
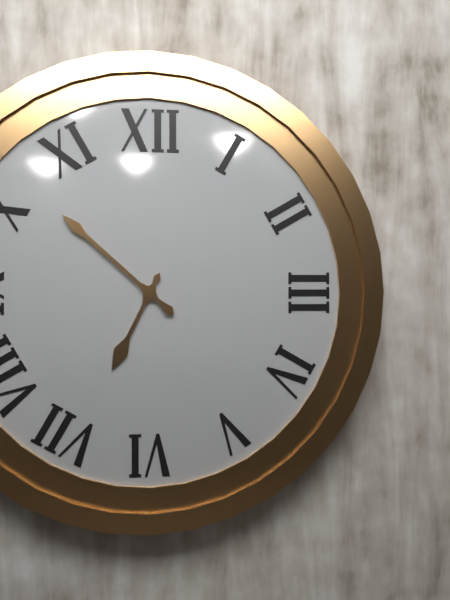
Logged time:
6h52
